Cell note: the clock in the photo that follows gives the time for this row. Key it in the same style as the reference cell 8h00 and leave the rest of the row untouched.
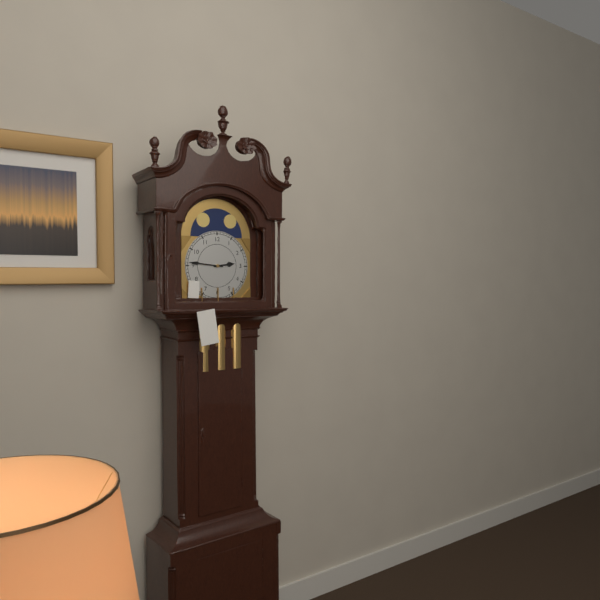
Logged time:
2h46
